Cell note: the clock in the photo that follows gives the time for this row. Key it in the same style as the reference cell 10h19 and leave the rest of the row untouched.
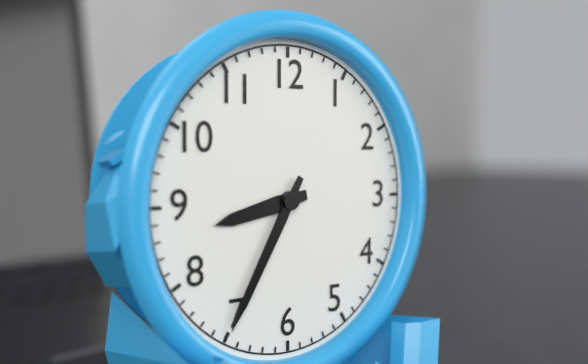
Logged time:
8h35
